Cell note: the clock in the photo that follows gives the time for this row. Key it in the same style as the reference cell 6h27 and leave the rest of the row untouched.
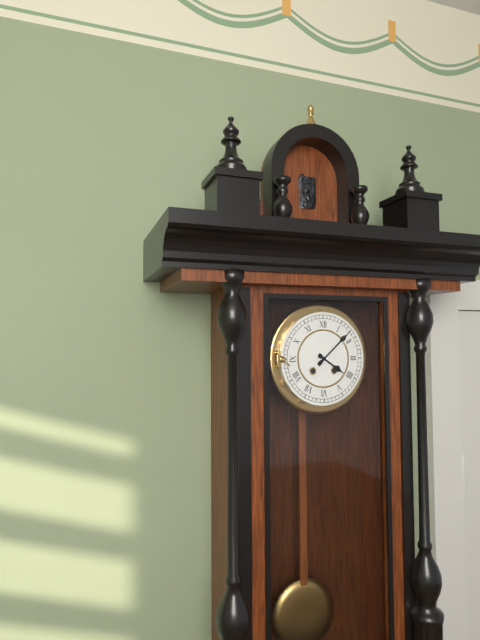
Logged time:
4h08
